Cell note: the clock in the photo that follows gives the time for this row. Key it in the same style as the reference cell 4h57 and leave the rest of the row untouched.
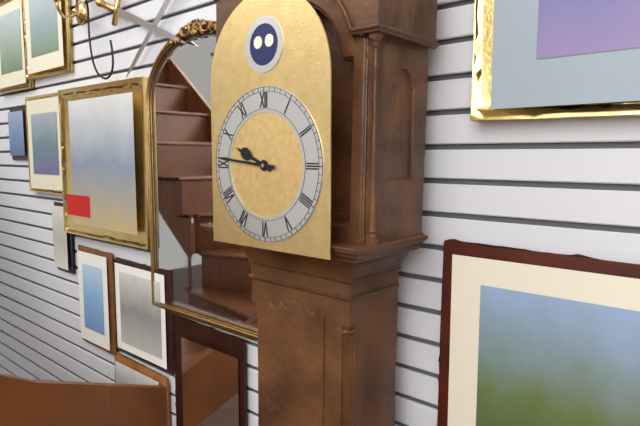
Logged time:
9h46
